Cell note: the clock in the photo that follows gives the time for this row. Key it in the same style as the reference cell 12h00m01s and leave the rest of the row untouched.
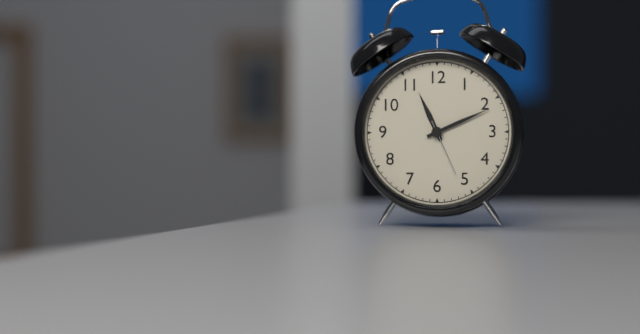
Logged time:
11h11m26s
